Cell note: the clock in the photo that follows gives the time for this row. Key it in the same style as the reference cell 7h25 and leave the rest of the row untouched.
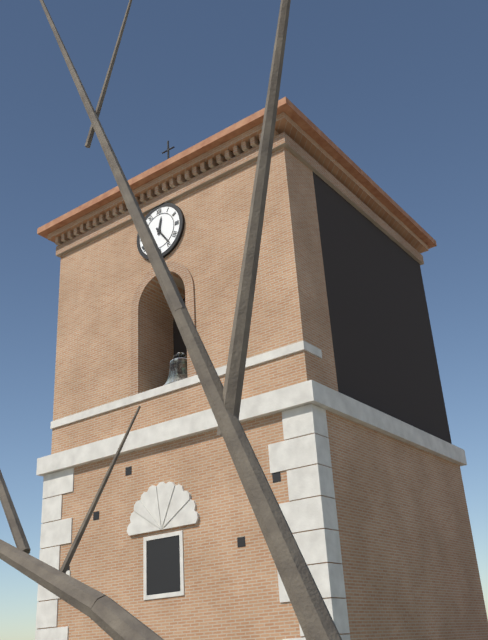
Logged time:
12h24
